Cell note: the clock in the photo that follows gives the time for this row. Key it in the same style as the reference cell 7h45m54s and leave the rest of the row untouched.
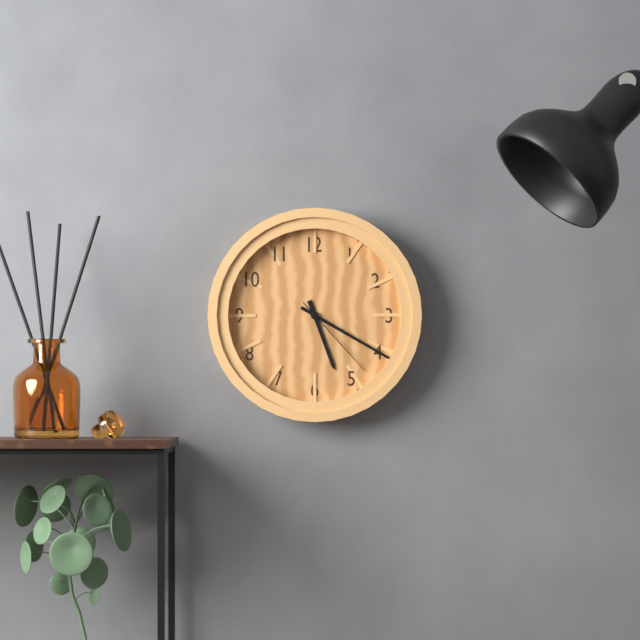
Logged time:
5h20m23s
